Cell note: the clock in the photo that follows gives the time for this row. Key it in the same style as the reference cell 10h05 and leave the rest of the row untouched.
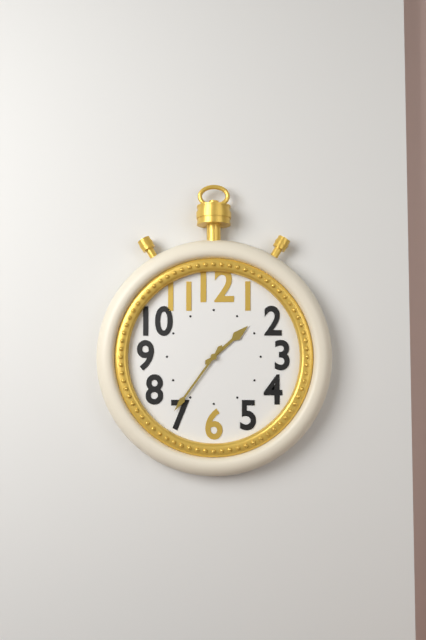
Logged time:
1h36
